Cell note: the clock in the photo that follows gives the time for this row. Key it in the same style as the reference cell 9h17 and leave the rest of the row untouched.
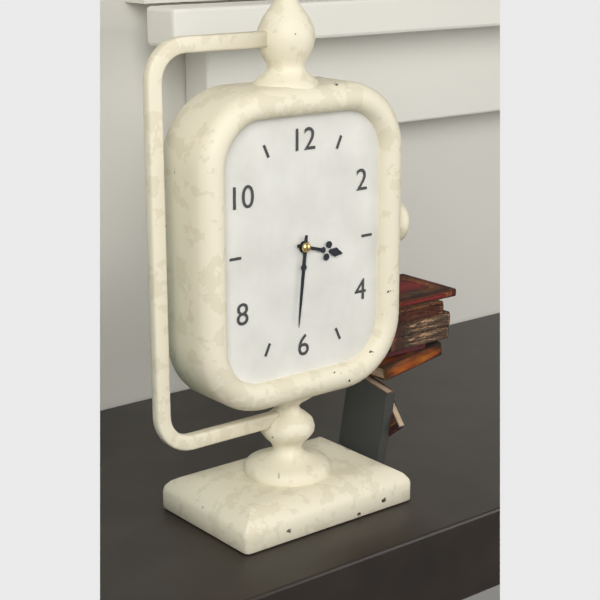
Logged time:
3h31
